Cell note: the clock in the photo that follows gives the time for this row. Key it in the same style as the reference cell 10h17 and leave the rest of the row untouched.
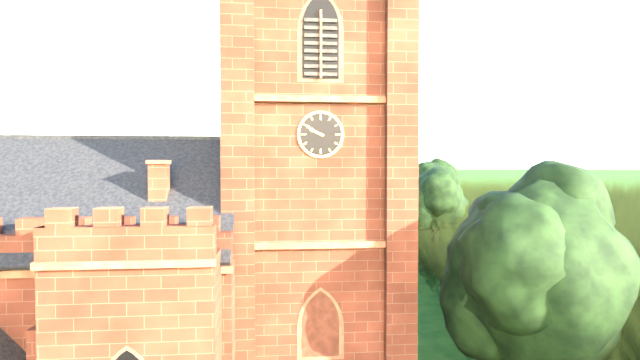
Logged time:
9h50
